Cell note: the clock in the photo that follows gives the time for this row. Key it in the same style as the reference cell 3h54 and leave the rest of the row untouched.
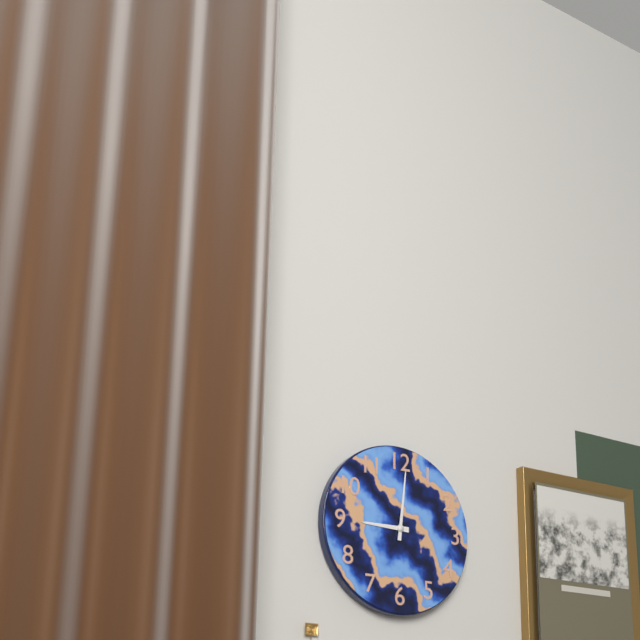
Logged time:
9h01
